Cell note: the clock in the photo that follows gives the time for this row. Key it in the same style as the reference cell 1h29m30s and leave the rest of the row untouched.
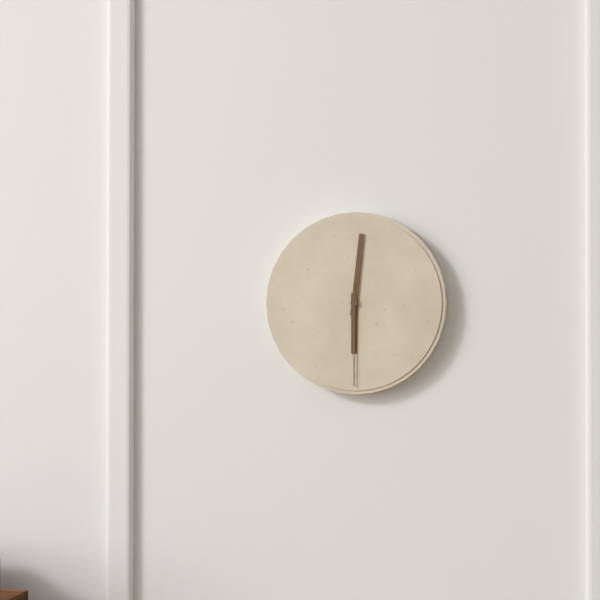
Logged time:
6h01m30s
